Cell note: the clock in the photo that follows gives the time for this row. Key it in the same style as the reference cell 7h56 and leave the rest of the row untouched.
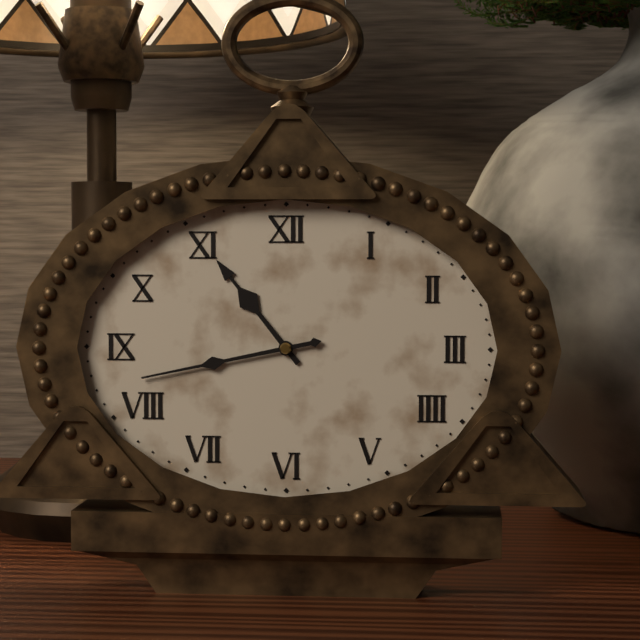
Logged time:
10h43
